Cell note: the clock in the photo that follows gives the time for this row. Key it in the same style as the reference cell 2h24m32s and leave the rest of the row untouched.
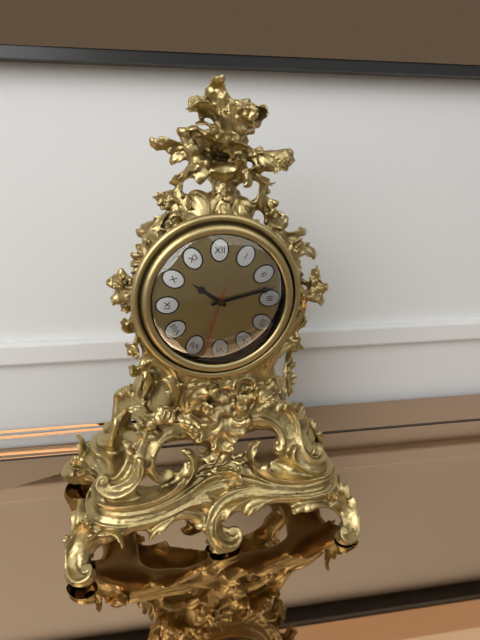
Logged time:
10h13m33s
